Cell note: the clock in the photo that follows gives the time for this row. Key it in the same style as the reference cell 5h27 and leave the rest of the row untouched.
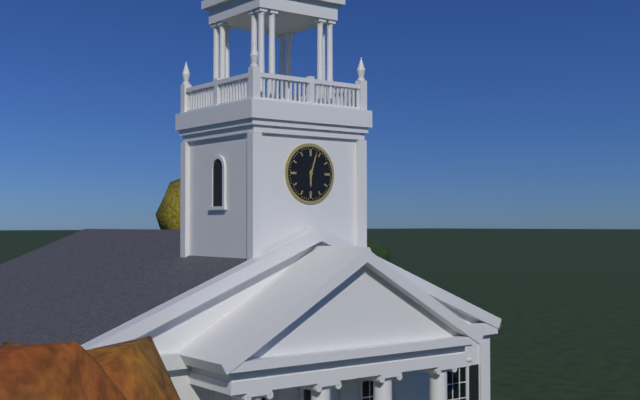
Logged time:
6h03
